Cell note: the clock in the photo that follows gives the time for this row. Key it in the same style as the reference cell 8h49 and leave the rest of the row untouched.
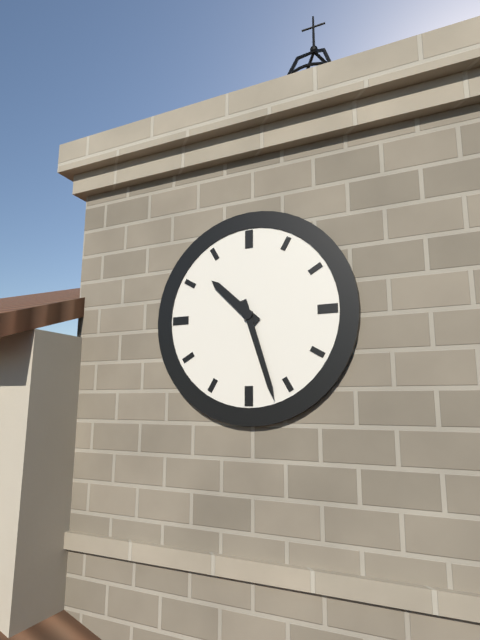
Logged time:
10h27
